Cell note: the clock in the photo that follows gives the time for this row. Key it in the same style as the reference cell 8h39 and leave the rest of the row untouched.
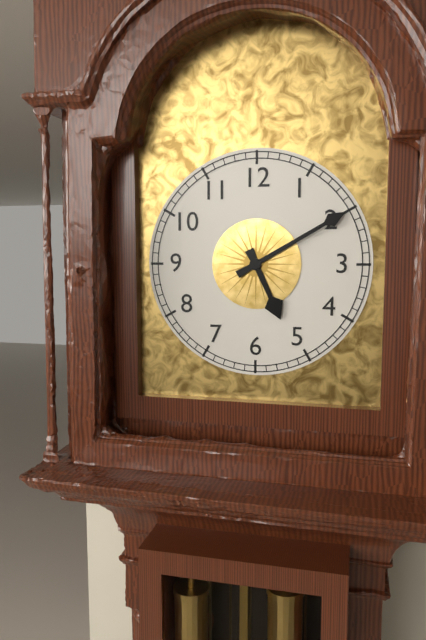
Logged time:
5h10
